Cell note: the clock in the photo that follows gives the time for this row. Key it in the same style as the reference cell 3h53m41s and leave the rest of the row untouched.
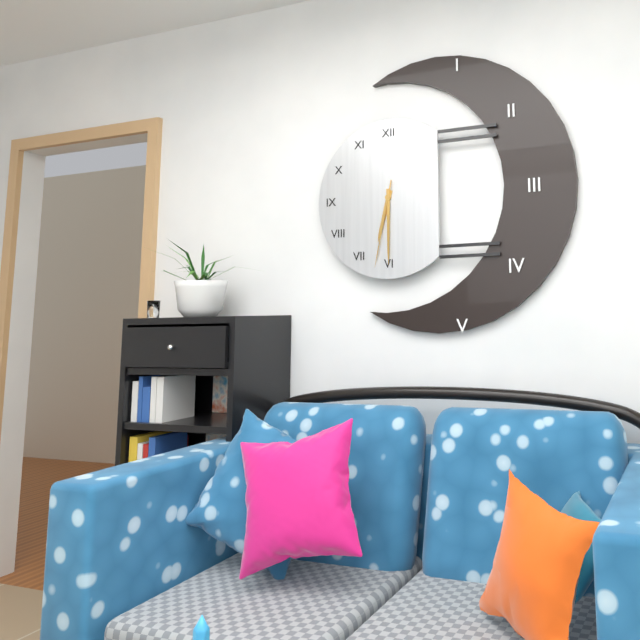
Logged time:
6h30m32s
